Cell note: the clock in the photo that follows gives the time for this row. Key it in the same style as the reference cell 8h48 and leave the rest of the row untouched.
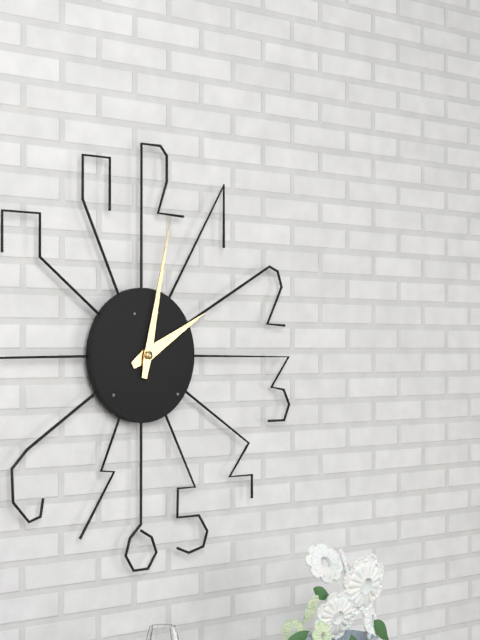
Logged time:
2h02
